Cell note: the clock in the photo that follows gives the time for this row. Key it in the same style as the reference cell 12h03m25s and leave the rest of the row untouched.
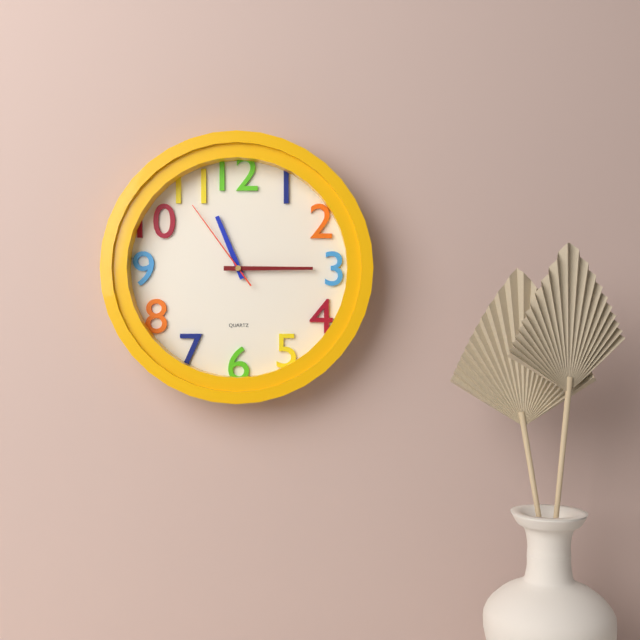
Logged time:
11h15m54s
